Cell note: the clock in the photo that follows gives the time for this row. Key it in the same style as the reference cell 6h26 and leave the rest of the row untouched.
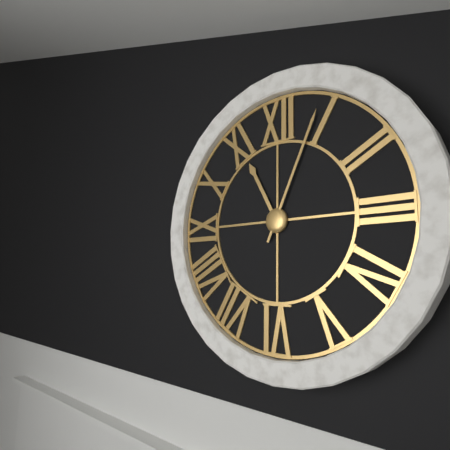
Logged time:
11h04
